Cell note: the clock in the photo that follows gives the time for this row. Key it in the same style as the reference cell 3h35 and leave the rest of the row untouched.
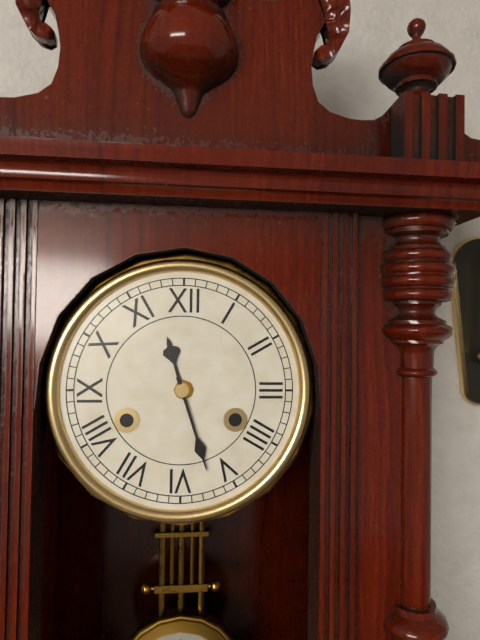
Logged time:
11h27
